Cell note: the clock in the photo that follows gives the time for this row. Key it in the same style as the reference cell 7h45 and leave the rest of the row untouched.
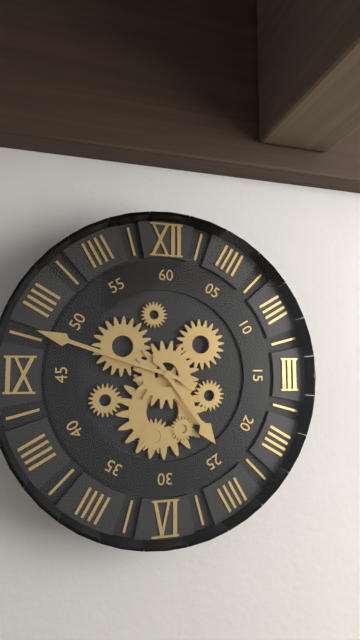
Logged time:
4h48
